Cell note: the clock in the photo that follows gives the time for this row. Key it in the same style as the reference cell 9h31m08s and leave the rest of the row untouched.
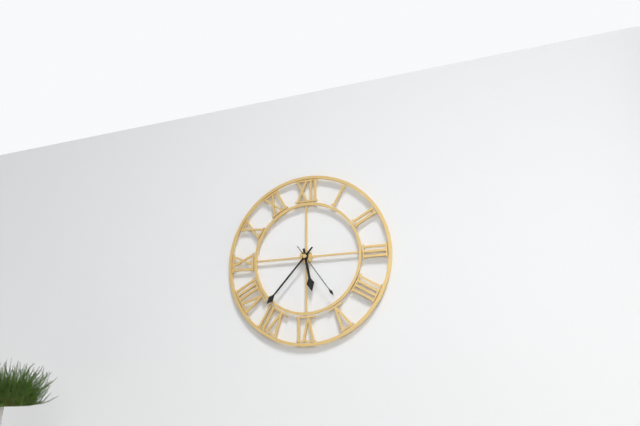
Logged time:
5h37m24s
